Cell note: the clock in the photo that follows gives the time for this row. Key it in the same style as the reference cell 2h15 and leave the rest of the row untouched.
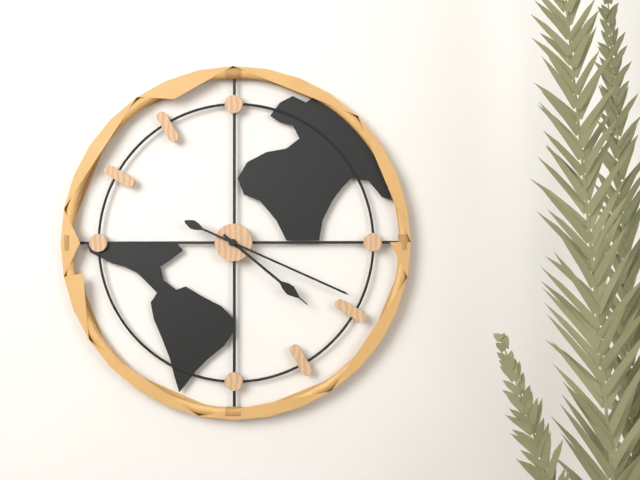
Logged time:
4h19
